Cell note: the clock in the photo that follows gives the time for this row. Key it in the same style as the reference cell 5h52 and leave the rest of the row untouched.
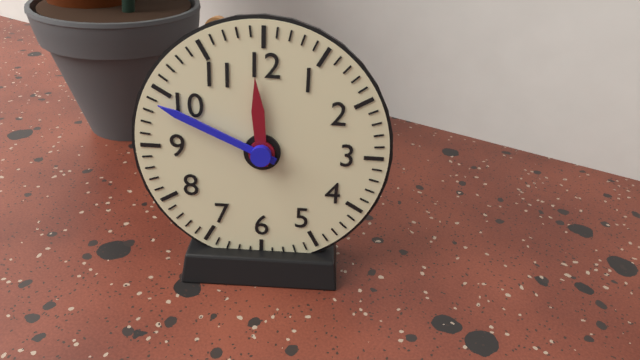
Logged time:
11h49
